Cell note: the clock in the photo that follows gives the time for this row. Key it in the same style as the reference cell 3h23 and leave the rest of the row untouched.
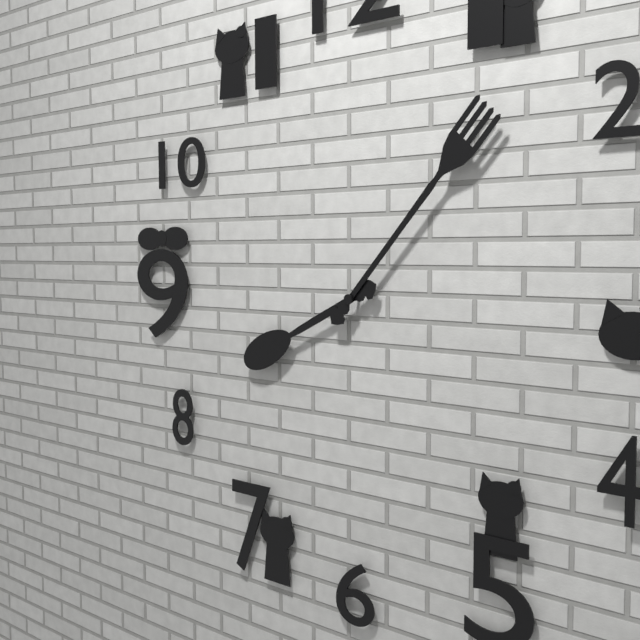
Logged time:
8h07
